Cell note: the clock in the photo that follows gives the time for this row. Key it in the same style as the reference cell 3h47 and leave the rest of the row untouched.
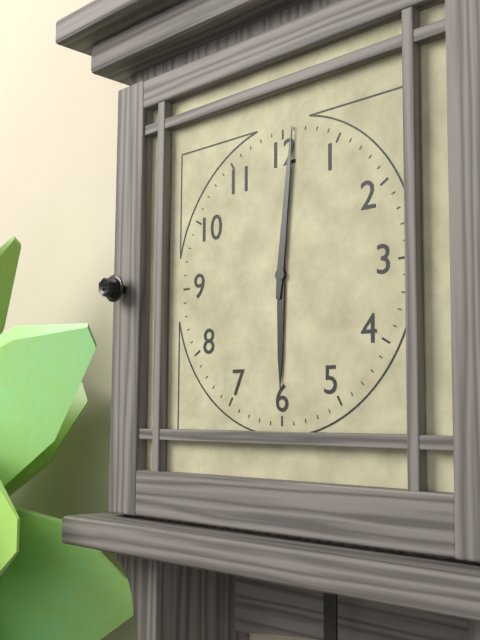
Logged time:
6h01
